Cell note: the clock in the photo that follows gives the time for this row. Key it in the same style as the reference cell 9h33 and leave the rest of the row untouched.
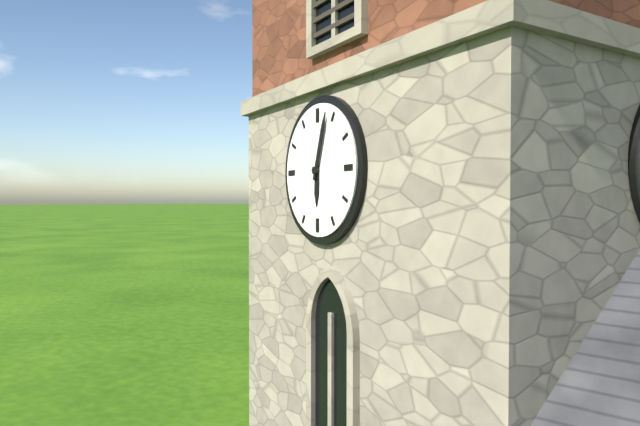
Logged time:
6h03
